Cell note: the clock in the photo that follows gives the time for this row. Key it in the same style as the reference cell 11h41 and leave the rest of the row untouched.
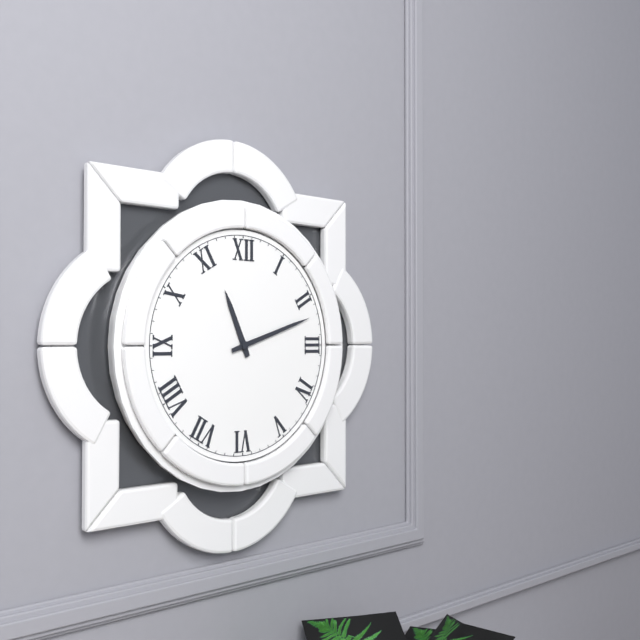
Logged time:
11h12
